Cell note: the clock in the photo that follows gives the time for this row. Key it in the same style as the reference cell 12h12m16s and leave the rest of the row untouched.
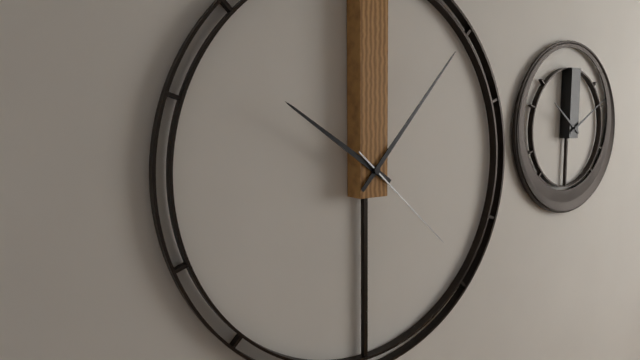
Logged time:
10h07m22s
